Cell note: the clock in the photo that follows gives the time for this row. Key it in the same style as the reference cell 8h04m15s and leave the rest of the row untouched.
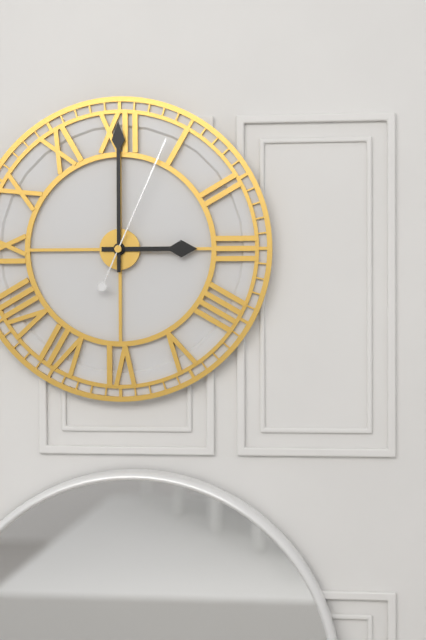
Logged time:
3h00m04s
